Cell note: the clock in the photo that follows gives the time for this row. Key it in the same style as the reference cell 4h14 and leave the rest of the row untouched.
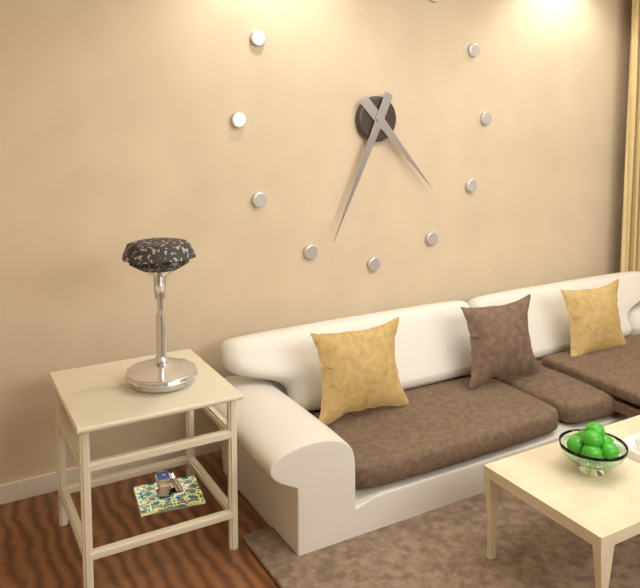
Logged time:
4h34
